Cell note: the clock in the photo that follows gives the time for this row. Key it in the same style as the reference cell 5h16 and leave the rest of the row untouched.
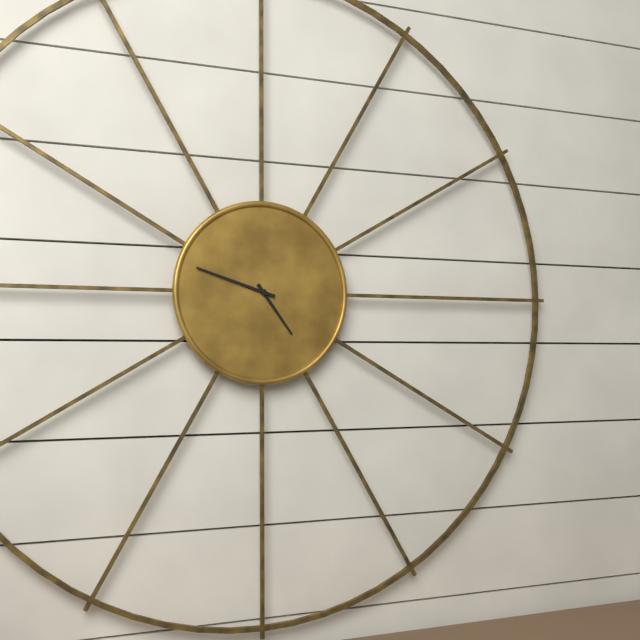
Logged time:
4h48
